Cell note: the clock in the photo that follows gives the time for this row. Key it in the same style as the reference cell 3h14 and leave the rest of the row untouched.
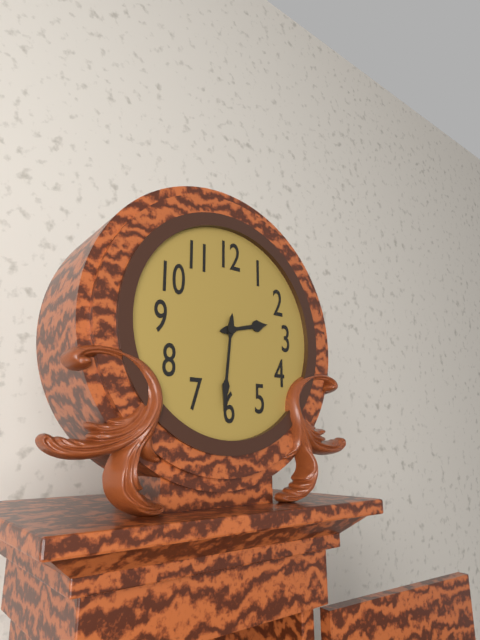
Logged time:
2h31
